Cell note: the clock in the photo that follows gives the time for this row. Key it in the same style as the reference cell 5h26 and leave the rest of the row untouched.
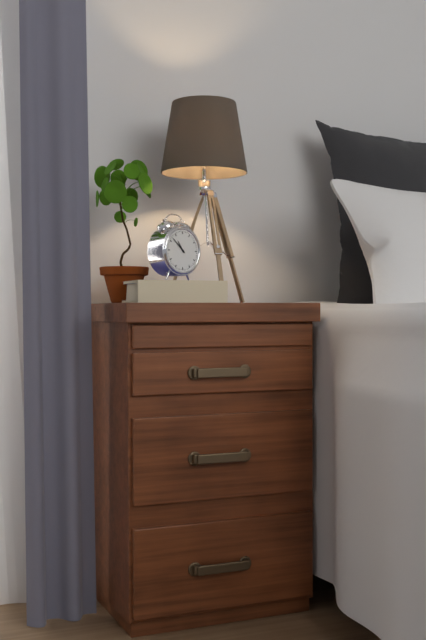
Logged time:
10h52
